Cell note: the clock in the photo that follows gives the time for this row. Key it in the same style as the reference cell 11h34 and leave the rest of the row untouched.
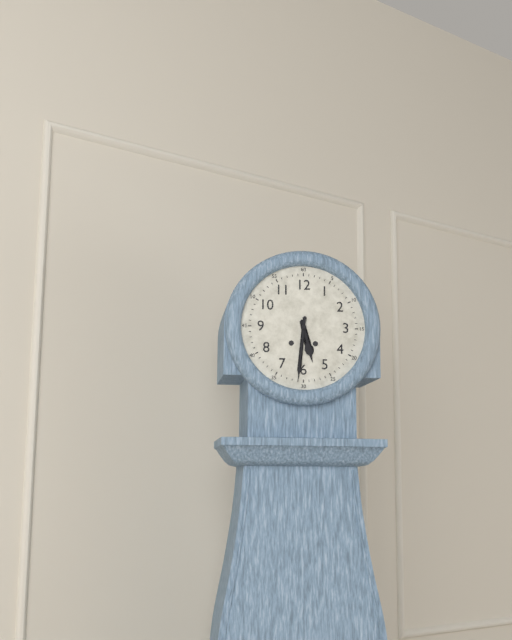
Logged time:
5h31
